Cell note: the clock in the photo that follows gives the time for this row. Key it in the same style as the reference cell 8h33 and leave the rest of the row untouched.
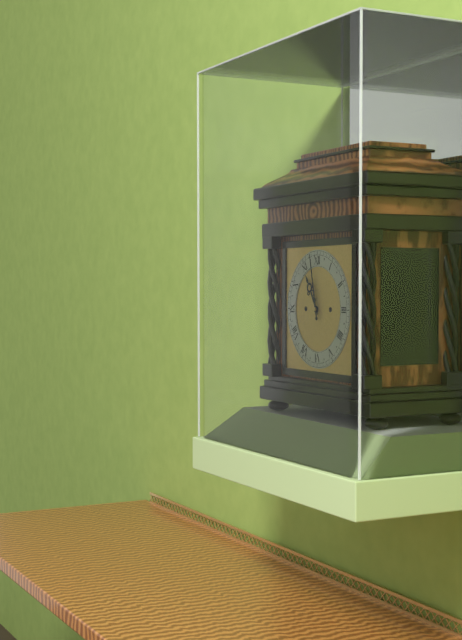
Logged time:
10h58
